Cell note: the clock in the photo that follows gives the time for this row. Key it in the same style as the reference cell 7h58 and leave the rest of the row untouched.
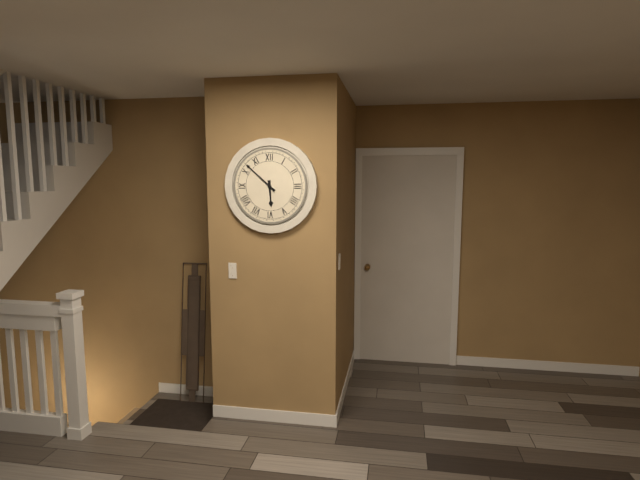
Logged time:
5h52
